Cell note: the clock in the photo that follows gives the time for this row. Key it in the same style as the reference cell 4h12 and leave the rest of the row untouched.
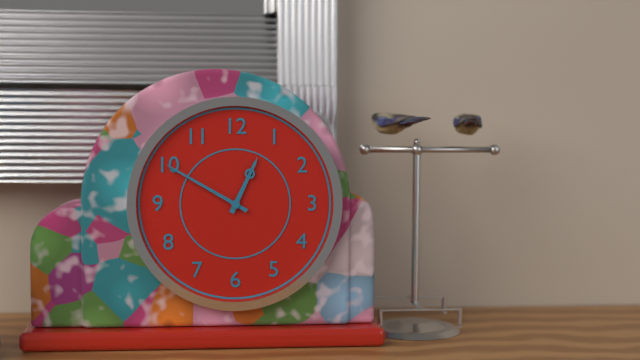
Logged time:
12h50
